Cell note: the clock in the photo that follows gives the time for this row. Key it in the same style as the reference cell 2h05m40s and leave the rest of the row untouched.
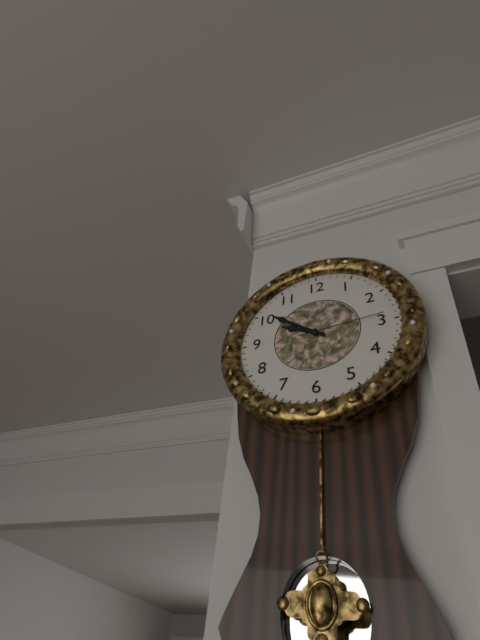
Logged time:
9h51m14s
